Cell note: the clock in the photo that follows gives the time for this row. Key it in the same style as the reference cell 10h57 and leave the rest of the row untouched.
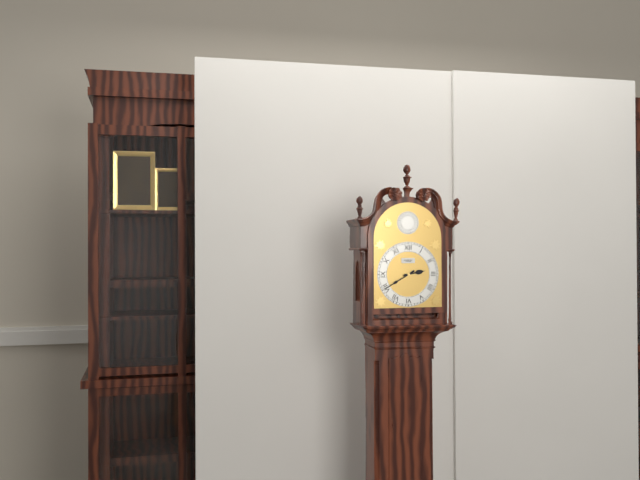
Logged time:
2h40
